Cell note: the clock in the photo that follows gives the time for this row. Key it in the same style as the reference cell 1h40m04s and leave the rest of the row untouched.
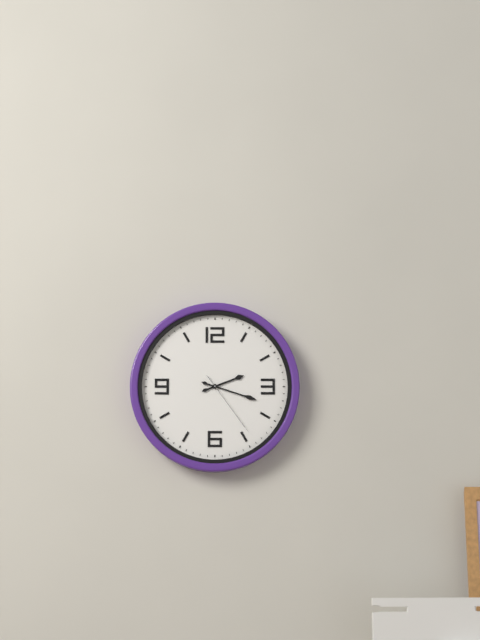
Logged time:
2h18m24s
